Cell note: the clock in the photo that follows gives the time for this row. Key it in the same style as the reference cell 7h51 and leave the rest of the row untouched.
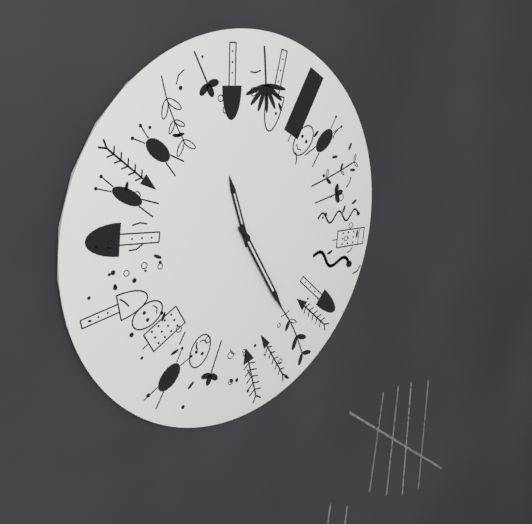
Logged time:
11h25
